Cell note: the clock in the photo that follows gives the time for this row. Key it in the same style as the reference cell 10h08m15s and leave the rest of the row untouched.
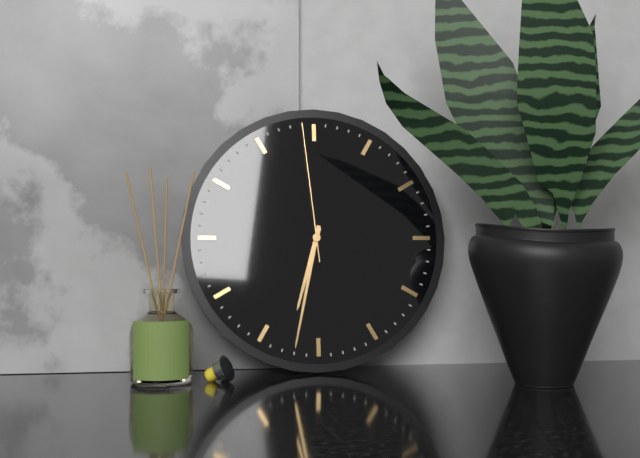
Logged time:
6h32m59s
